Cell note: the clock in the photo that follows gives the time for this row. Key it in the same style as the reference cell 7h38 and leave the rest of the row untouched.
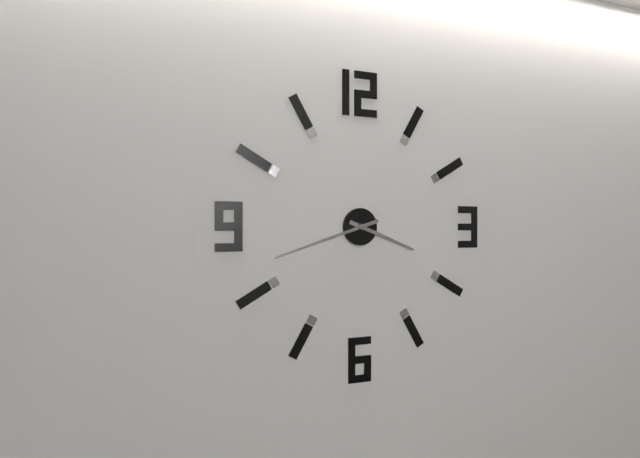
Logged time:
3h42
